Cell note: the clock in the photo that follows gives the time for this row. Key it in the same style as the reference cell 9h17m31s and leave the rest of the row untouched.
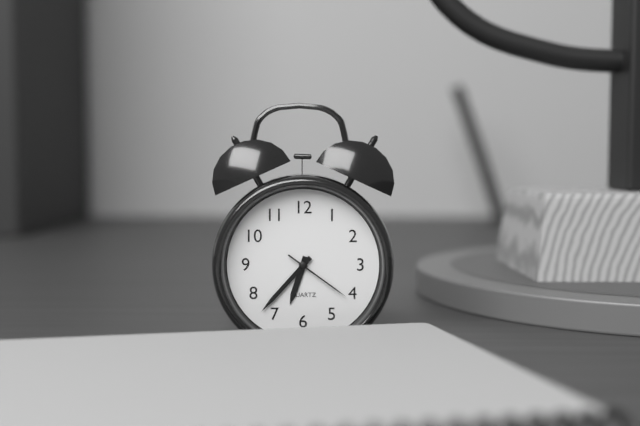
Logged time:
6h37m21s
